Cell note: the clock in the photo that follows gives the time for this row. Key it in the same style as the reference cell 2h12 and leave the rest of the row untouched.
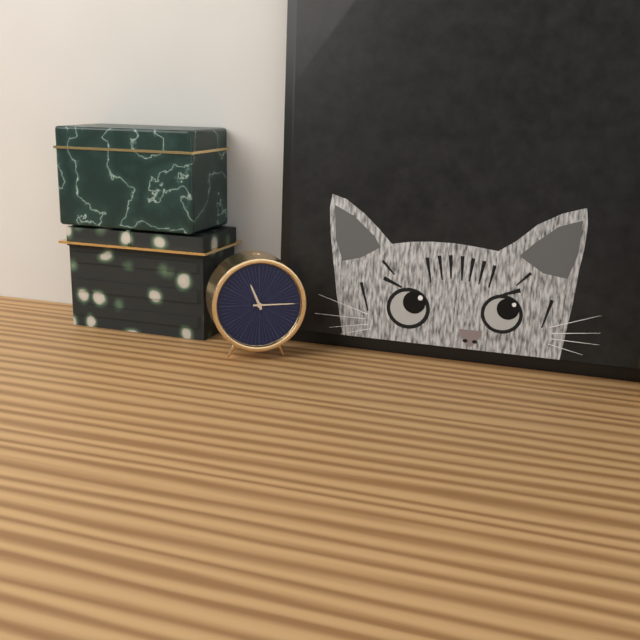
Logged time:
11h15
